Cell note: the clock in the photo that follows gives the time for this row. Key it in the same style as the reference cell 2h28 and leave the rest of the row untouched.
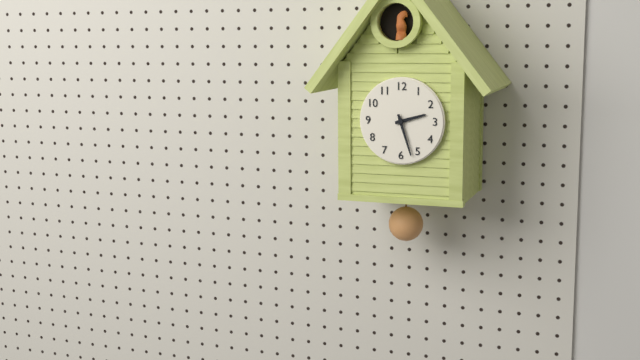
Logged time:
2h27
